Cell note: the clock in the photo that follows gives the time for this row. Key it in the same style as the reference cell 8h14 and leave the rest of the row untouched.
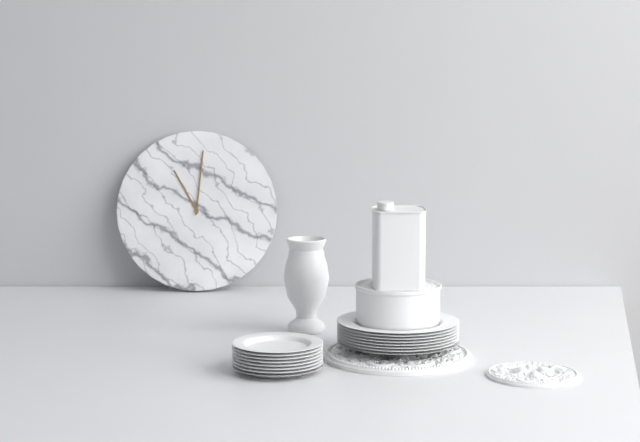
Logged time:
11h01
